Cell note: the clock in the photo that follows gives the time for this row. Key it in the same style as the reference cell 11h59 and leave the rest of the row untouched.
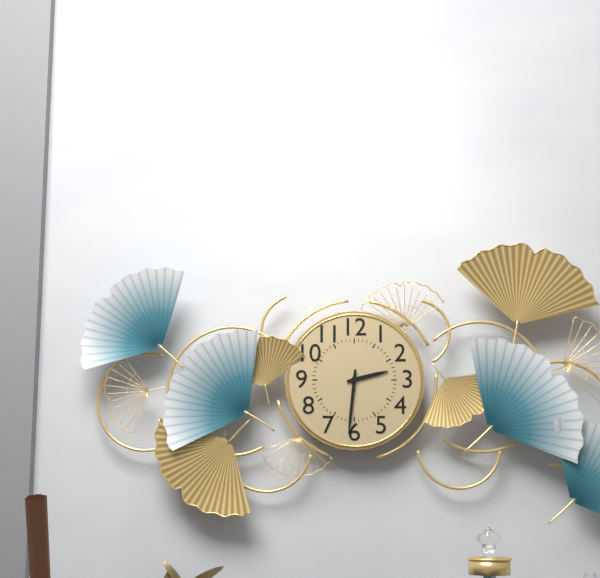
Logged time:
2h31
